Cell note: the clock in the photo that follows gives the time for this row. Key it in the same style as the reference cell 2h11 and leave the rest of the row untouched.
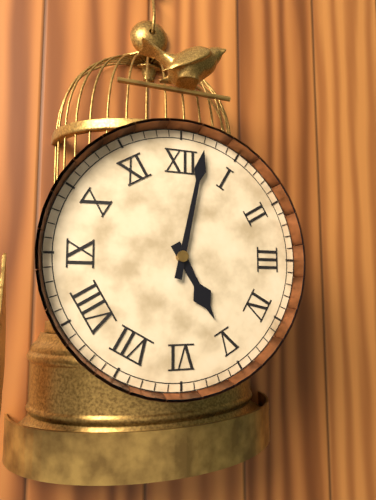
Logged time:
5h02
